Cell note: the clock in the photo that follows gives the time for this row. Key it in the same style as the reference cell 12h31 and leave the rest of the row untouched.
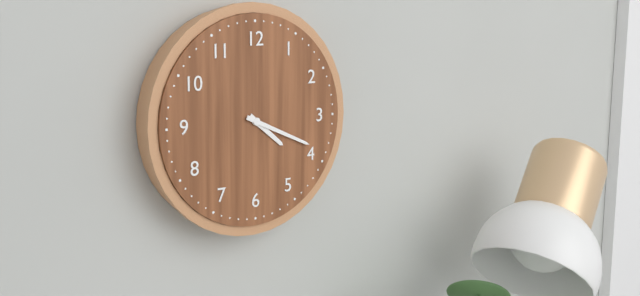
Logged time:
4h19
